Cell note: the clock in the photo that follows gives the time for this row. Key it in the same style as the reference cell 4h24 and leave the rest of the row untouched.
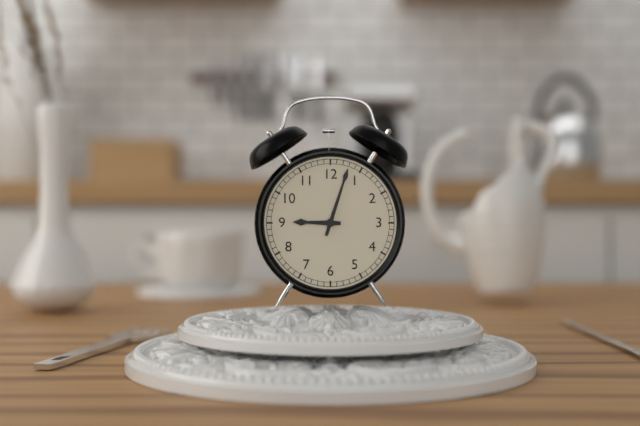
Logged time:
9h03
